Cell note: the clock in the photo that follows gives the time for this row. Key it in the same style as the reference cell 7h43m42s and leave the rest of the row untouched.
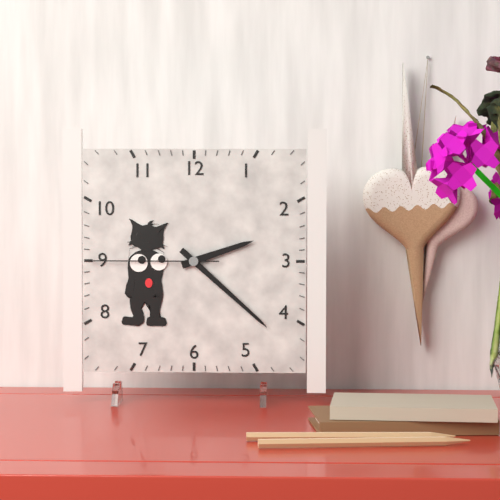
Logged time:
2h22m45s
